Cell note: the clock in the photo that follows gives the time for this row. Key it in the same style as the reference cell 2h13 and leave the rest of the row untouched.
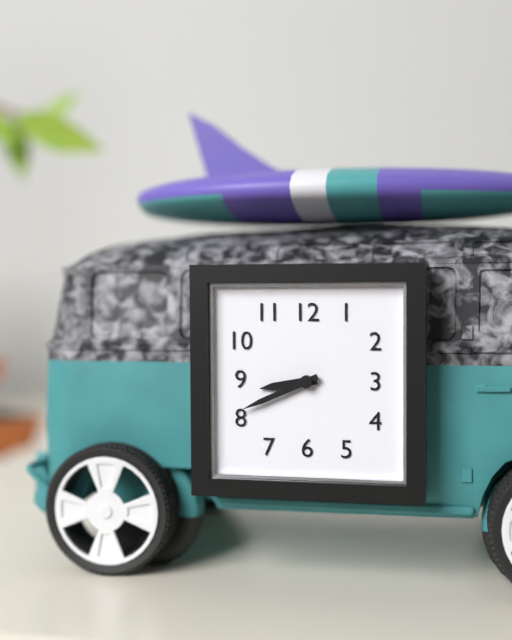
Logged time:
8h41
